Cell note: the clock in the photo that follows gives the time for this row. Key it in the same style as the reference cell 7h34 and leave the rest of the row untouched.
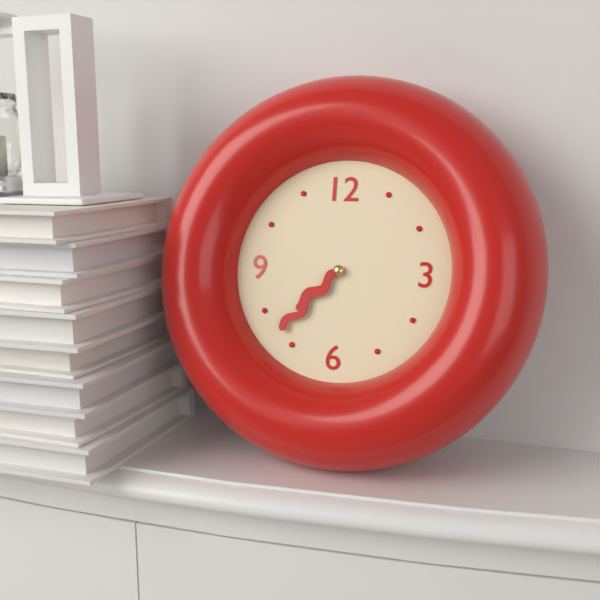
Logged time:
7h37
